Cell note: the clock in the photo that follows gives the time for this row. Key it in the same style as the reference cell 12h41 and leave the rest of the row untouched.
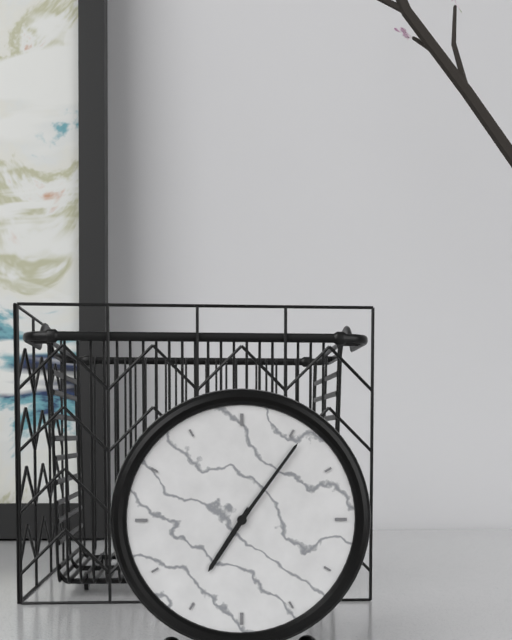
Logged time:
7h06
